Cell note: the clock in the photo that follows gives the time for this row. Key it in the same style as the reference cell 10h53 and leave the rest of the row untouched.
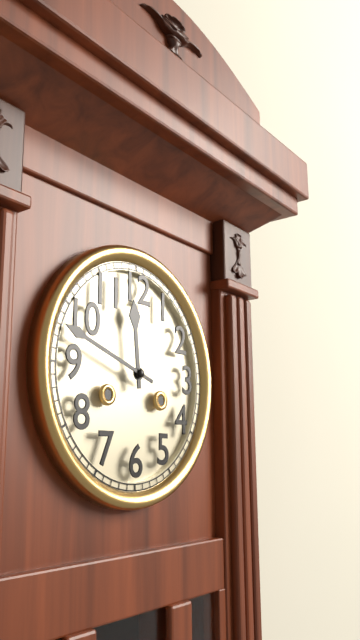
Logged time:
11h48
